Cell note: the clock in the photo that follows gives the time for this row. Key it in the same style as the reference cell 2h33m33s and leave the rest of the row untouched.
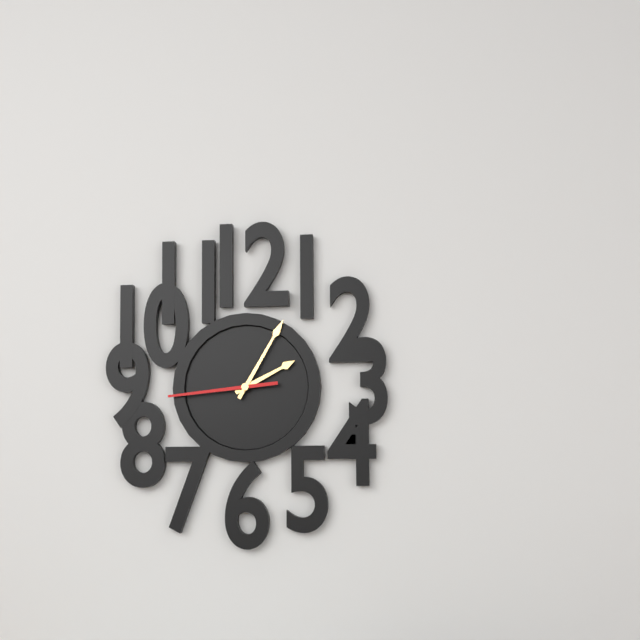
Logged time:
2h05m44s
